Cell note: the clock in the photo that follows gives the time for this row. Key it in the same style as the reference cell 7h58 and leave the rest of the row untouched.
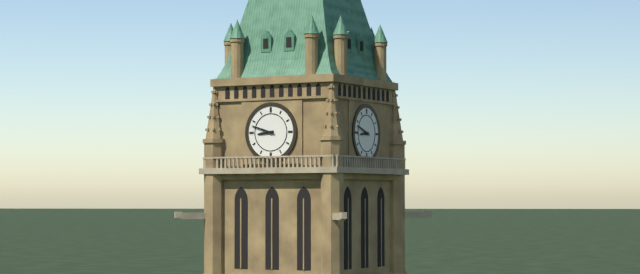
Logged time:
8h48
